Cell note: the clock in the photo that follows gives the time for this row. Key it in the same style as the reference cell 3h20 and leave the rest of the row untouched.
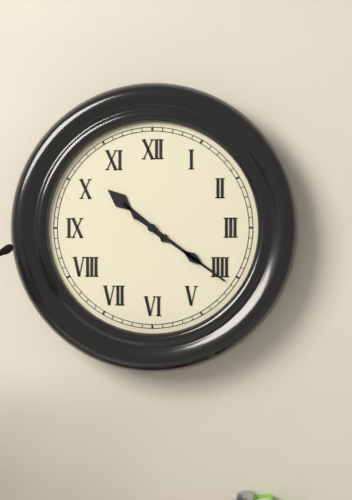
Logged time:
10h21
